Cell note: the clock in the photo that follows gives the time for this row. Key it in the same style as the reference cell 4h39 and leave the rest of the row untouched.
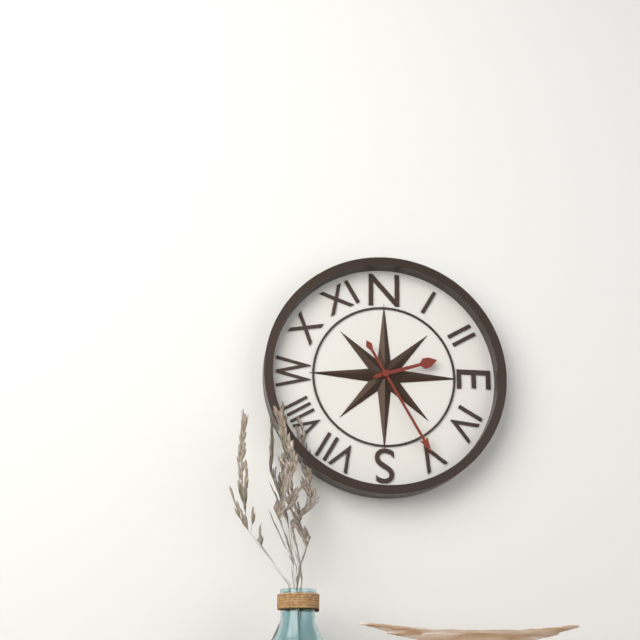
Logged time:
2h25
